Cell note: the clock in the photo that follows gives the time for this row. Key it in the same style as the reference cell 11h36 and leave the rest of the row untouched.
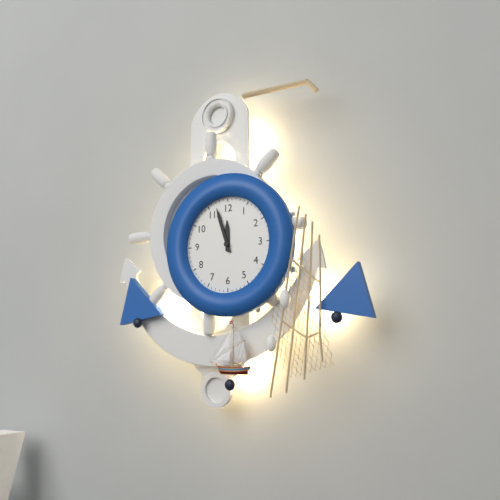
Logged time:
11h57
